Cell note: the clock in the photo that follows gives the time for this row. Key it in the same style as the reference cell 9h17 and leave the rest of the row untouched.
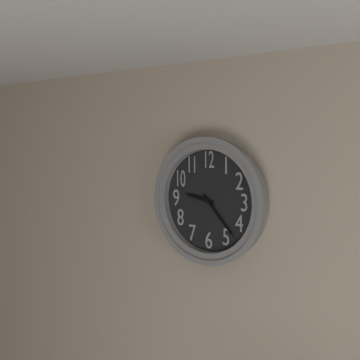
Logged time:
9h23
